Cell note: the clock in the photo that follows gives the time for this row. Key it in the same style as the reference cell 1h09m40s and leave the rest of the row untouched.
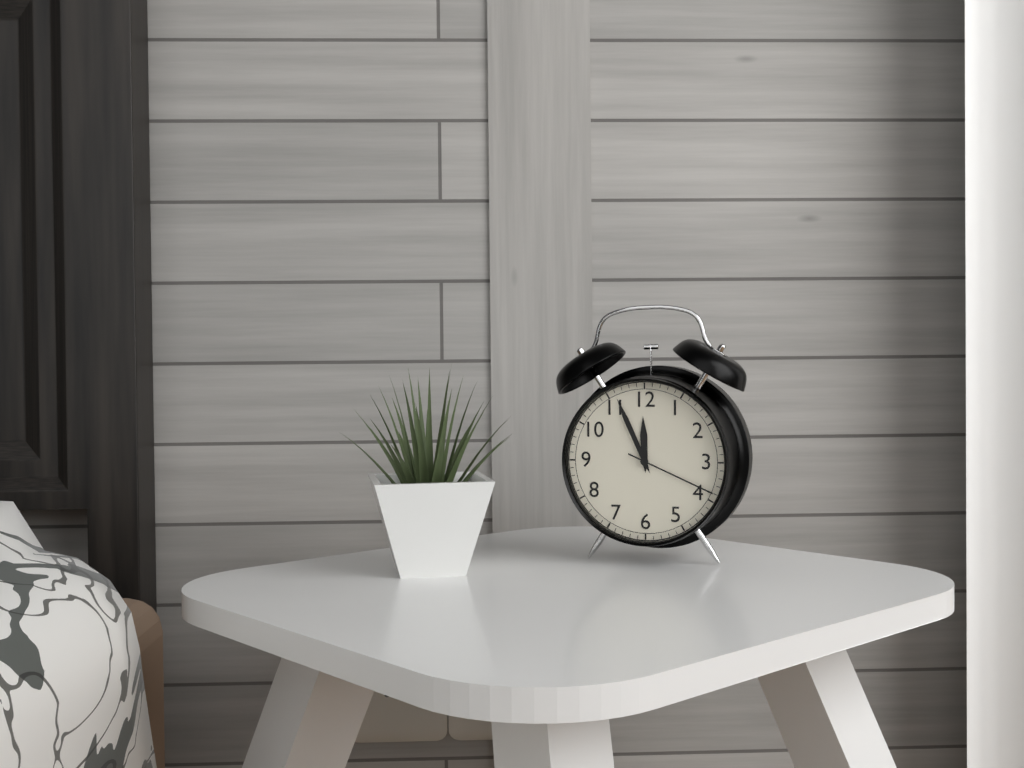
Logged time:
11h56m19s
